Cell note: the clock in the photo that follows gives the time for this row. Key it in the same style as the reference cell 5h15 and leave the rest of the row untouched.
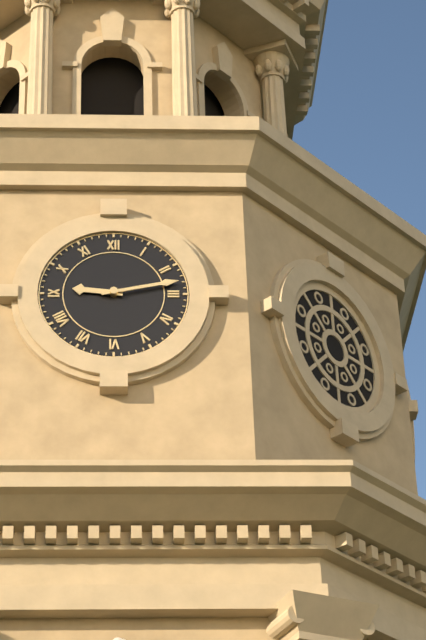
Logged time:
9h13
